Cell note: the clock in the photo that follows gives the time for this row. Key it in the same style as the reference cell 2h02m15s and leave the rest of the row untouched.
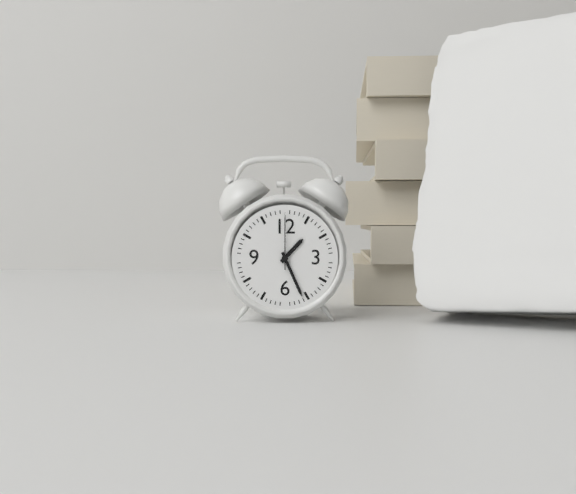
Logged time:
1h26m00s
